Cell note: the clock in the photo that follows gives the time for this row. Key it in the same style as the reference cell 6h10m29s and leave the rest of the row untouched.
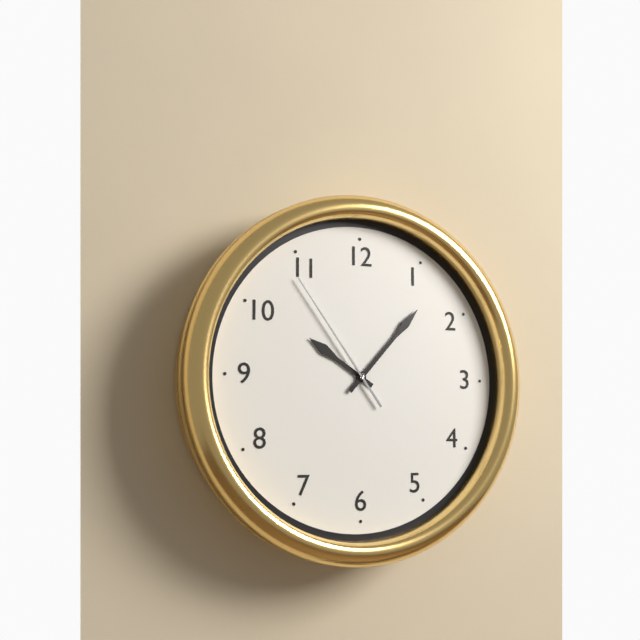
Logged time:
10h07m54s
